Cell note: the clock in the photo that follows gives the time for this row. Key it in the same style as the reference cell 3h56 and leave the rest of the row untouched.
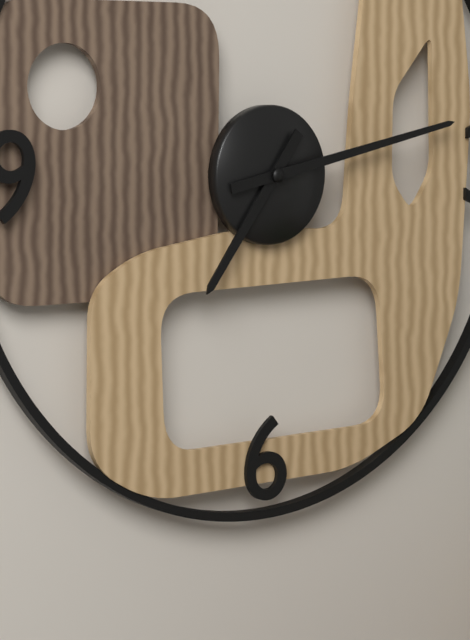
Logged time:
7h13
